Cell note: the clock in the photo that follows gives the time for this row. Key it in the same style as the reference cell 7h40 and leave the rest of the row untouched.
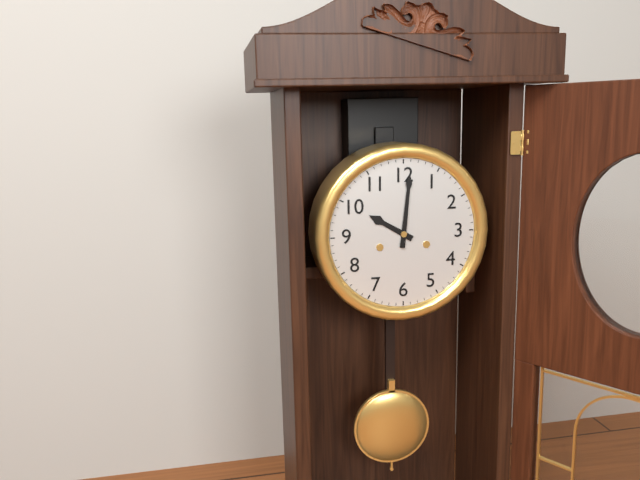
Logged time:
10h01
